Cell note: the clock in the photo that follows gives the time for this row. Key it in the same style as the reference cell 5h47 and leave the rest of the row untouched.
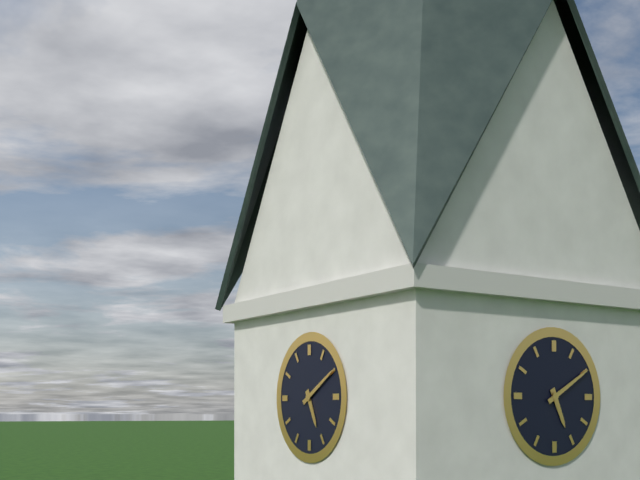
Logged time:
5h10
